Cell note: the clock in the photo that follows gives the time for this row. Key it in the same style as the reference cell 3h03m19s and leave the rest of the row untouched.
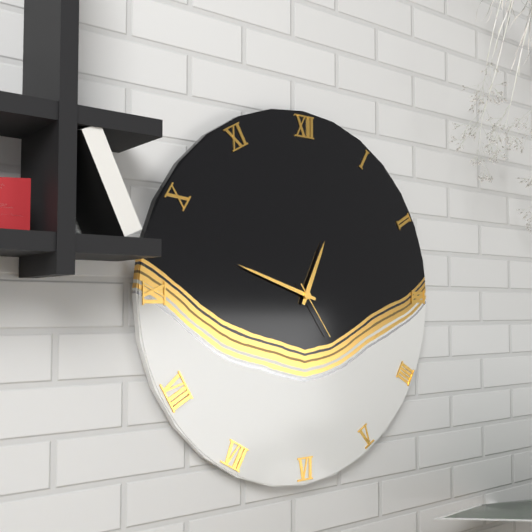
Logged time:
12h48m24s
